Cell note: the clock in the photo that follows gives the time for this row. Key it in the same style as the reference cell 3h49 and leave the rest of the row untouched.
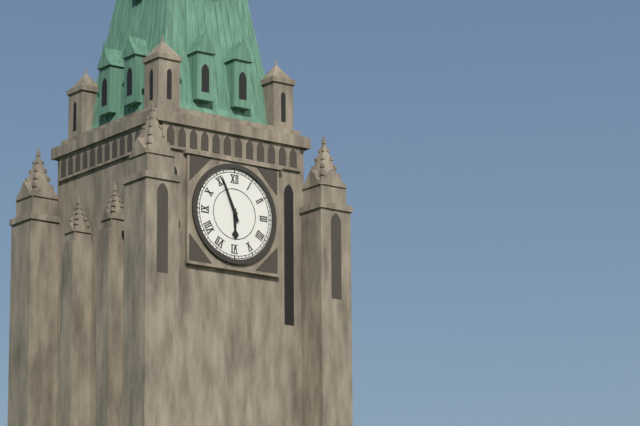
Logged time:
5h56
